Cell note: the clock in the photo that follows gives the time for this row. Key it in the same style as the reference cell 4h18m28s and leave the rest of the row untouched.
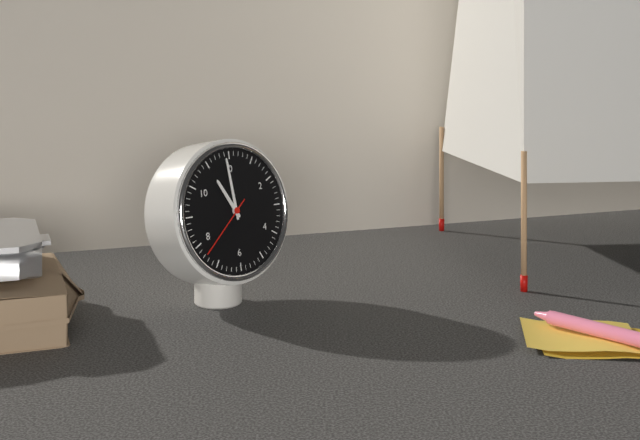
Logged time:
10h59m38s
